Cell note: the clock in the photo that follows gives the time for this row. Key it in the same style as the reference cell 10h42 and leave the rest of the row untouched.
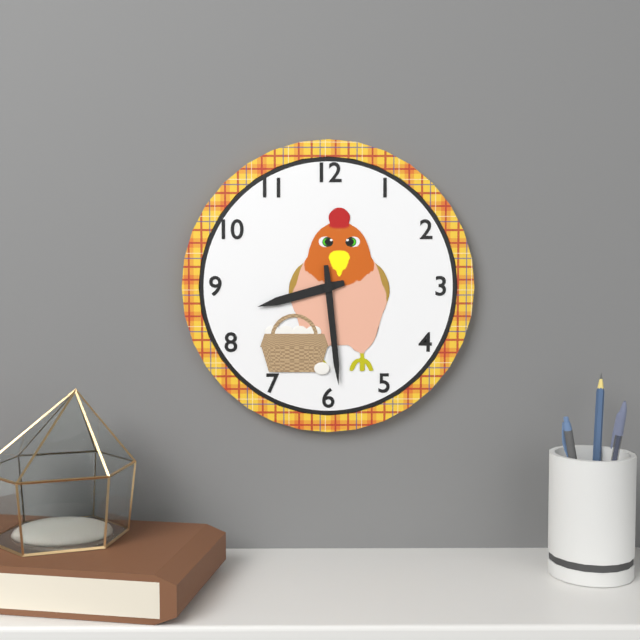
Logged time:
8h29
